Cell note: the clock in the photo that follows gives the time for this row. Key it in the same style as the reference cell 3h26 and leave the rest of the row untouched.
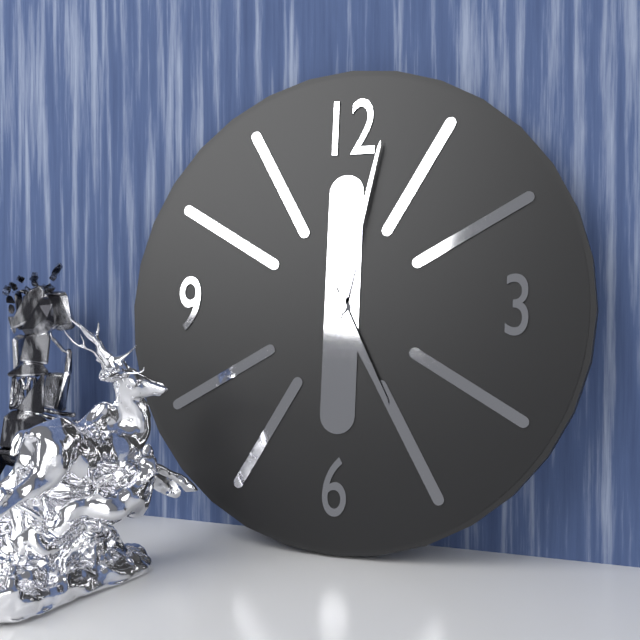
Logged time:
5h02
